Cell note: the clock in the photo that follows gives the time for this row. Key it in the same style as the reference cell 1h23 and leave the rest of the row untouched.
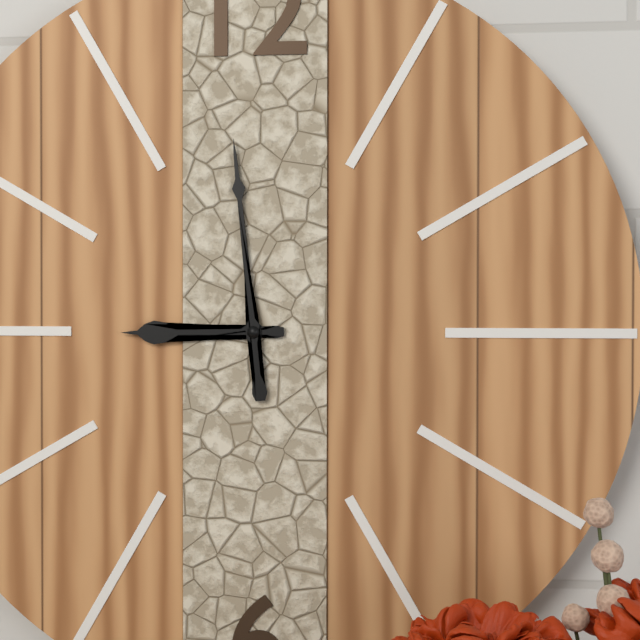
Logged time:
8h59
